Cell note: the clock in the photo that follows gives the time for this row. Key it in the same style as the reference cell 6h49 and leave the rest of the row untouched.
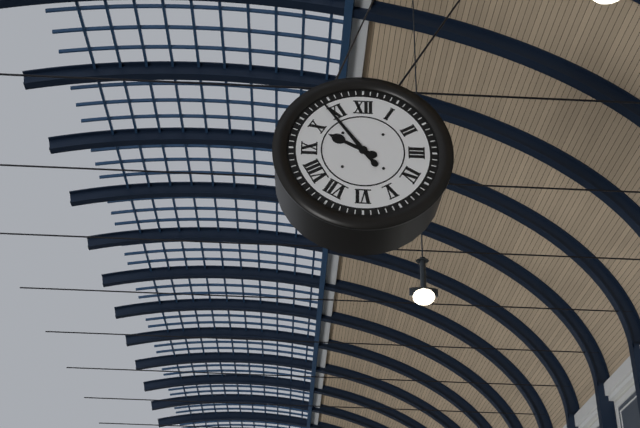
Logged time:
9h54
